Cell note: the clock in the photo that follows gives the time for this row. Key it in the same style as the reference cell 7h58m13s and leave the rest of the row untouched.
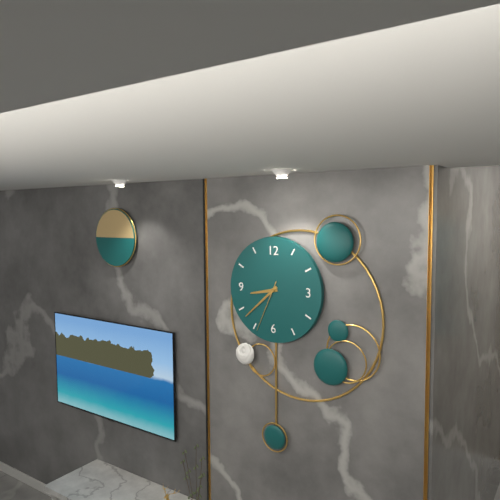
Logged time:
8h38m34s
